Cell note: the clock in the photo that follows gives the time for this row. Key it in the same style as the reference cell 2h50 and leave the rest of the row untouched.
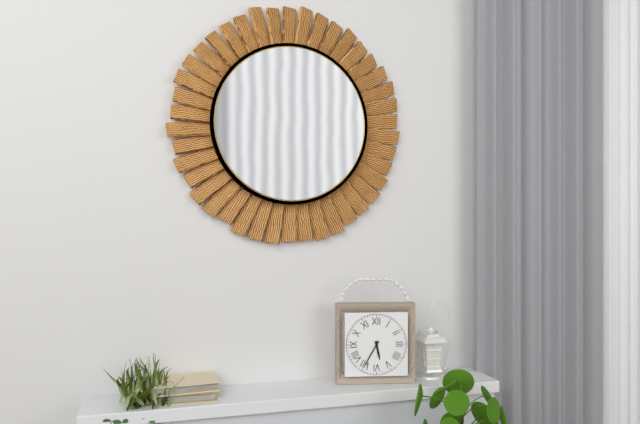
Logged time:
5h35
